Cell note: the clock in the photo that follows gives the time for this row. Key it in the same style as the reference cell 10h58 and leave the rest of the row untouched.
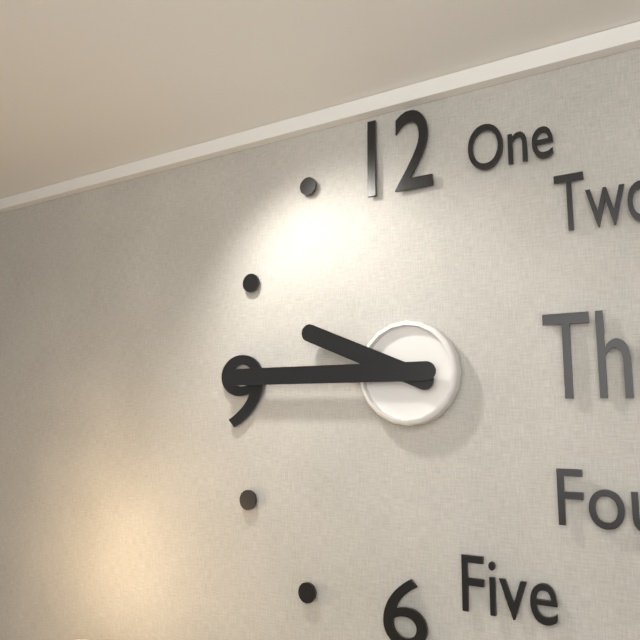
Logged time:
9h45
